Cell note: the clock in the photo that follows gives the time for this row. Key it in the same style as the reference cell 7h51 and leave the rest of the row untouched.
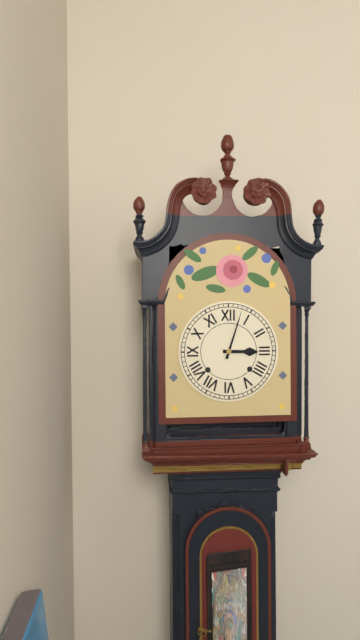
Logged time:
3h03
